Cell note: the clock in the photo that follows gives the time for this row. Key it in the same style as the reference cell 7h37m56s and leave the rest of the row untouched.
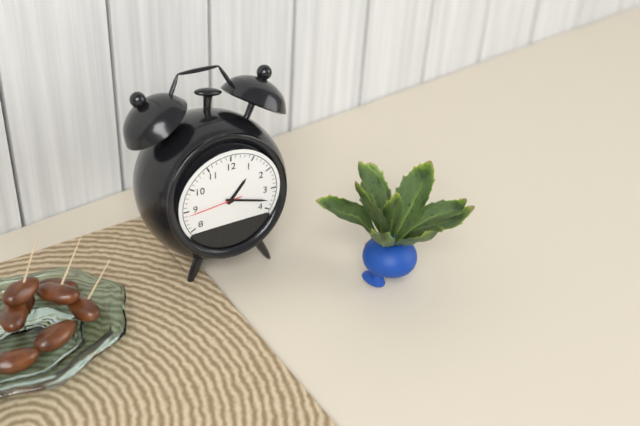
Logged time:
1h18m44s
